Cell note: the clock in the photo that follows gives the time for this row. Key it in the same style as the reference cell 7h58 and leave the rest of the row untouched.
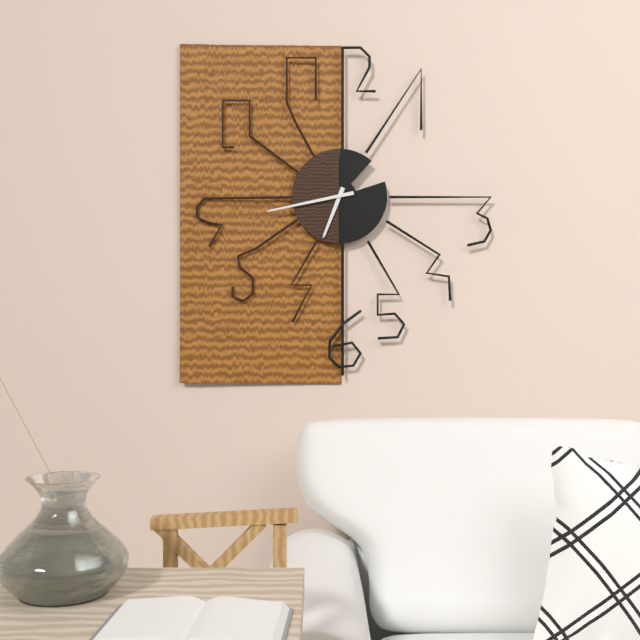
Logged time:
6h43
